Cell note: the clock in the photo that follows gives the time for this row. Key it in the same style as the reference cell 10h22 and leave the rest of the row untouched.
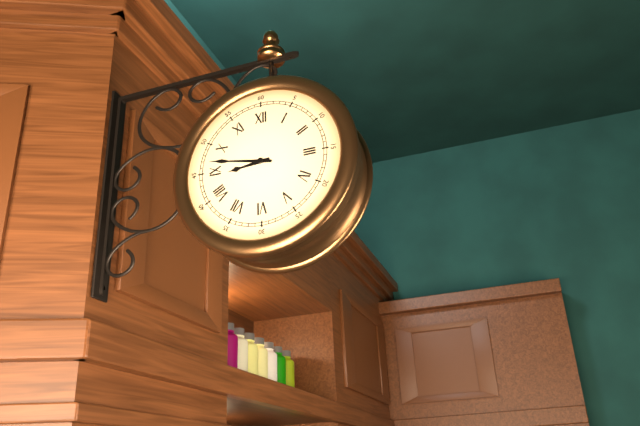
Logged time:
8h47
